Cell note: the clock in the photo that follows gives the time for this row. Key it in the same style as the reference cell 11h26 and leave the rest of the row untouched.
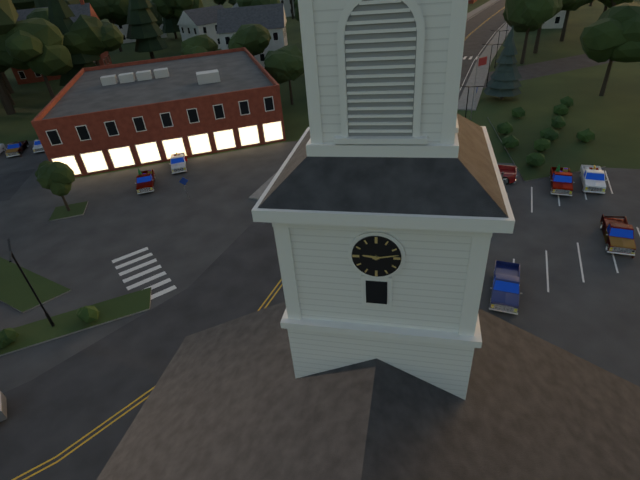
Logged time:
9h13
